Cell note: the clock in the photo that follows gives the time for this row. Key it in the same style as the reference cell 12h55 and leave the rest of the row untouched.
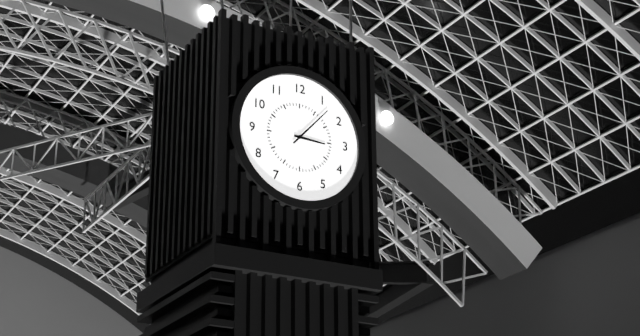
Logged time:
3h07
